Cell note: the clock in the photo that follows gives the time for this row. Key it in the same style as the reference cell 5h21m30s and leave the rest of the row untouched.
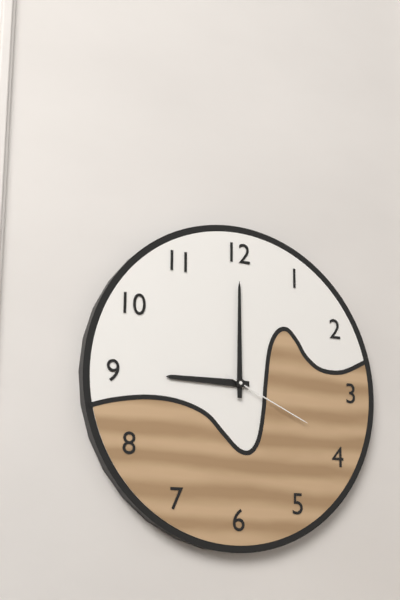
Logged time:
9h00m19s
